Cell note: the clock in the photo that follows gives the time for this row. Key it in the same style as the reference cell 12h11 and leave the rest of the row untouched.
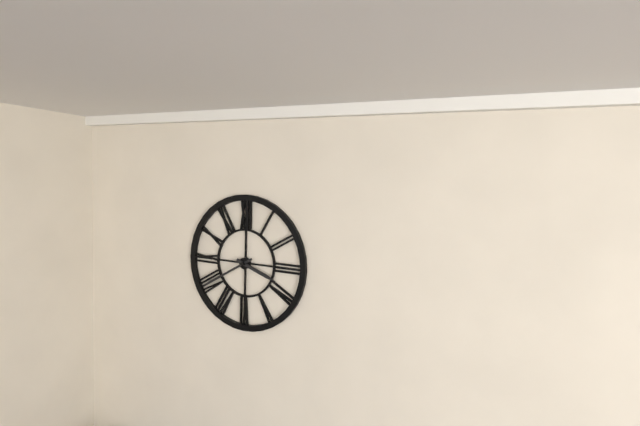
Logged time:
3h40
